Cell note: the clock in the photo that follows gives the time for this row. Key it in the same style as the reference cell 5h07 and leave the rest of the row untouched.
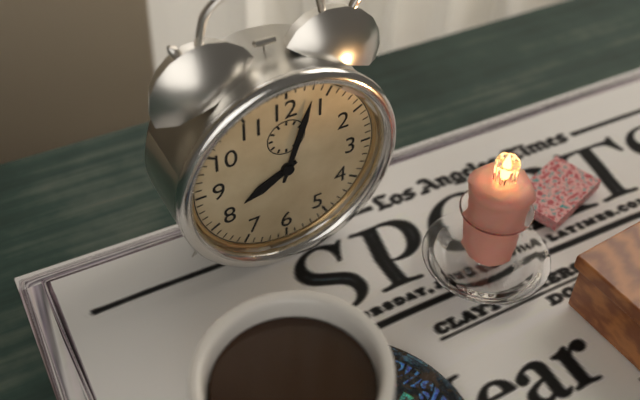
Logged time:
8h03
